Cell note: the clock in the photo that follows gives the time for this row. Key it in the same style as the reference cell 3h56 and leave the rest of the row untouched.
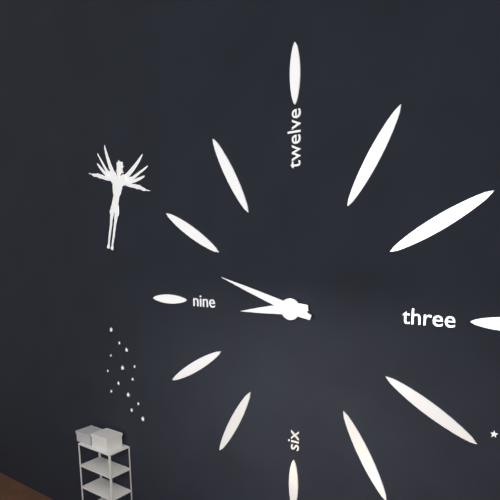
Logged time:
8h48
